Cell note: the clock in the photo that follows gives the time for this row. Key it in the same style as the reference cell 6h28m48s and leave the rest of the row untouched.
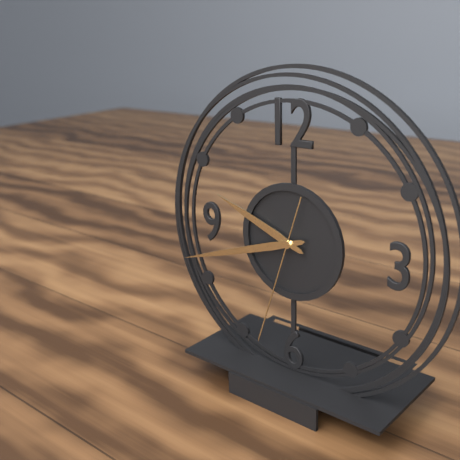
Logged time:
9h42m33s
